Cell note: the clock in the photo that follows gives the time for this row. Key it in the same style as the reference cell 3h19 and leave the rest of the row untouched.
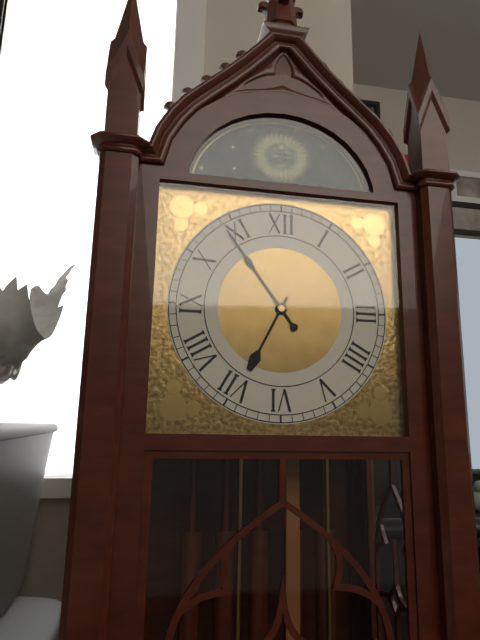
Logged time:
6h54
